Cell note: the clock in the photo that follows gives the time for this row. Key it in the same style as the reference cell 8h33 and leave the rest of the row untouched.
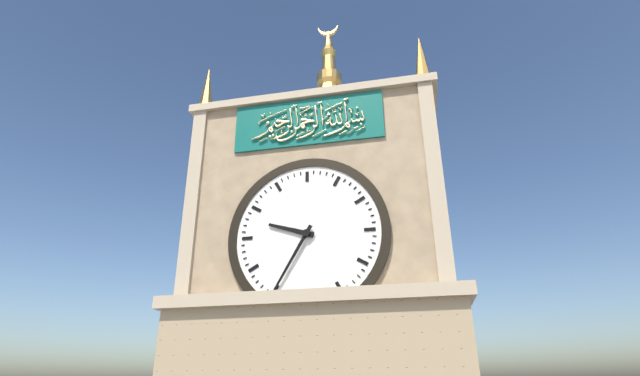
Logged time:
9h35
